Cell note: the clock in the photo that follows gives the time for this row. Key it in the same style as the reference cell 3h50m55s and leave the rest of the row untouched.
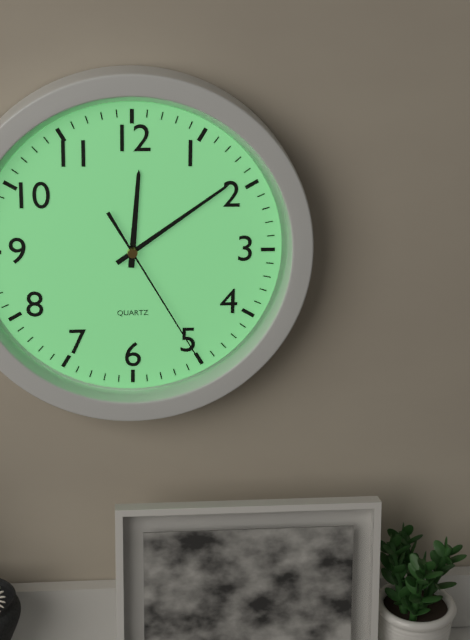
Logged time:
12h09m25s
